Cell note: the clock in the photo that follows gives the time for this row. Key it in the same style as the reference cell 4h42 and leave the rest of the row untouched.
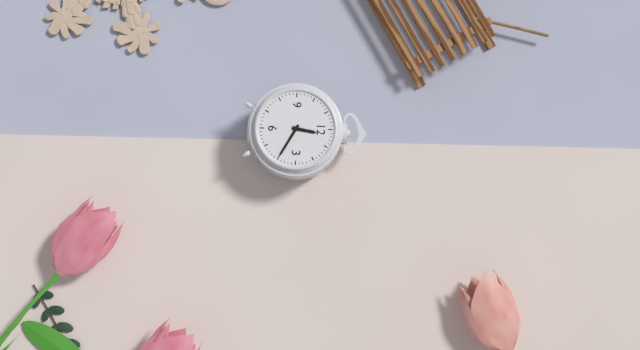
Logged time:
12h20
